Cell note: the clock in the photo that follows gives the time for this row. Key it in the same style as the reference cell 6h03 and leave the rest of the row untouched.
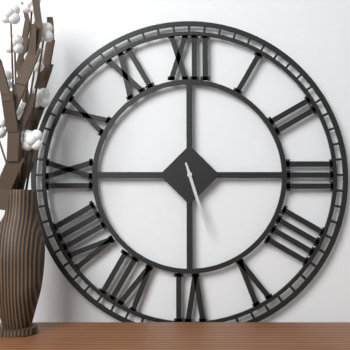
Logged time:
5h27
